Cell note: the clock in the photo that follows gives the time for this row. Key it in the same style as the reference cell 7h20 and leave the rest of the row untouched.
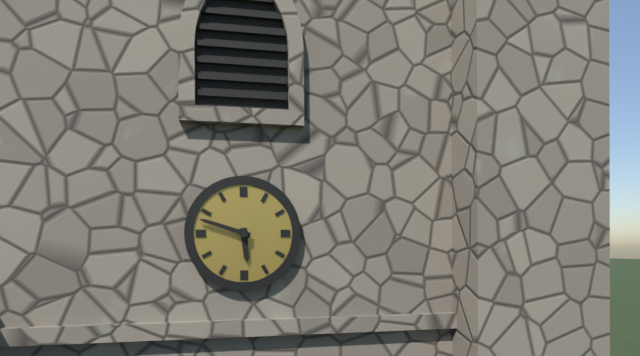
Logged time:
5h48
